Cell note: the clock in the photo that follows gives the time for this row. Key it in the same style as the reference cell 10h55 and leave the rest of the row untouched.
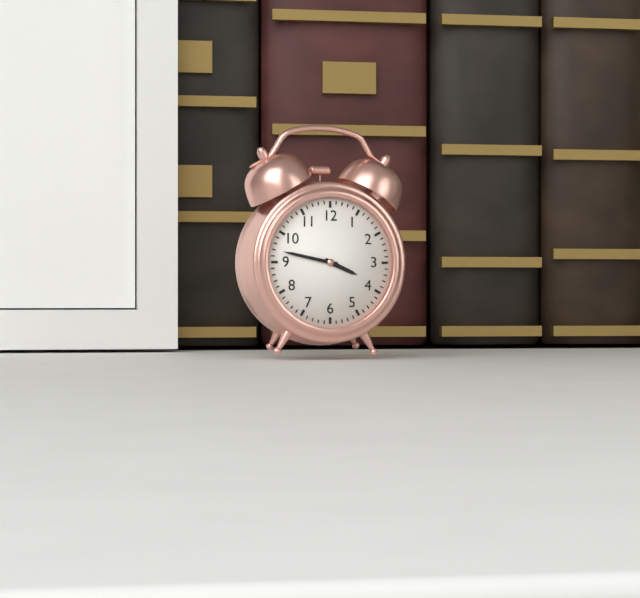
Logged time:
3h47
